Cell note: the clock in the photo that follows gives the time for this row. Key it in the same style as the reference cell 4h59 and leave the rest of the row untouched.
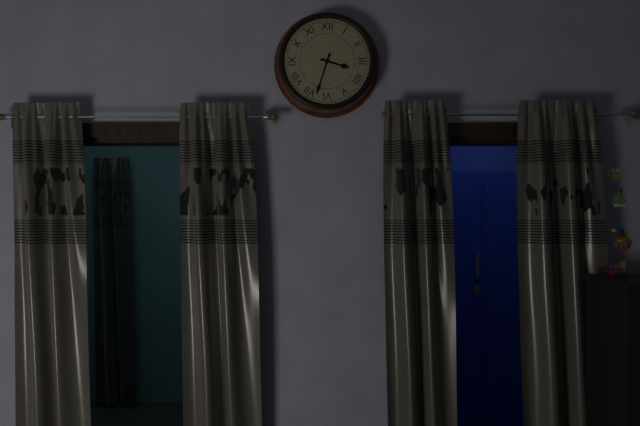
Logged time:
3h33
